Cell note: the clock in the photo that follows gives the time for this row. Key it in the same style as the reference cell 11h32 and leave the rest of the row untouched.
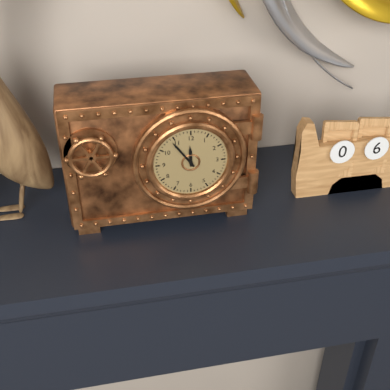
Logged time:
11h54
